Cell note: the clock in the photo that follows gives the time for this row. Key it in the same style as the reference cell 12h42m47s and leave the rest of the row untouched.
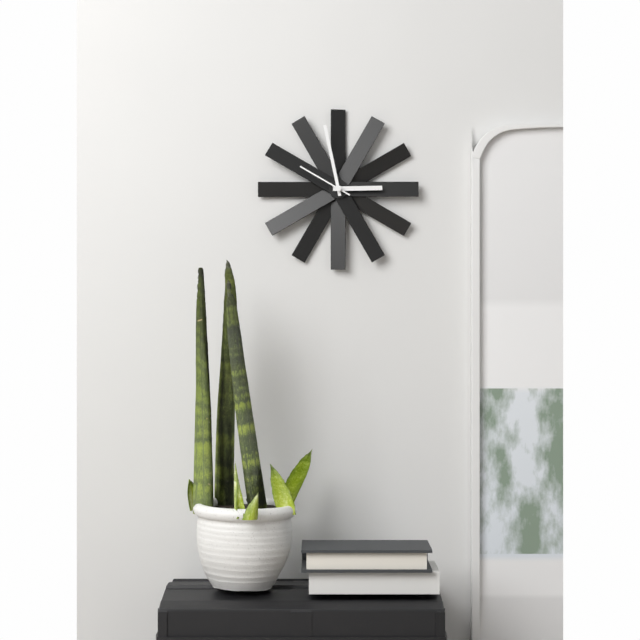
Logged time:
2h58m50s
